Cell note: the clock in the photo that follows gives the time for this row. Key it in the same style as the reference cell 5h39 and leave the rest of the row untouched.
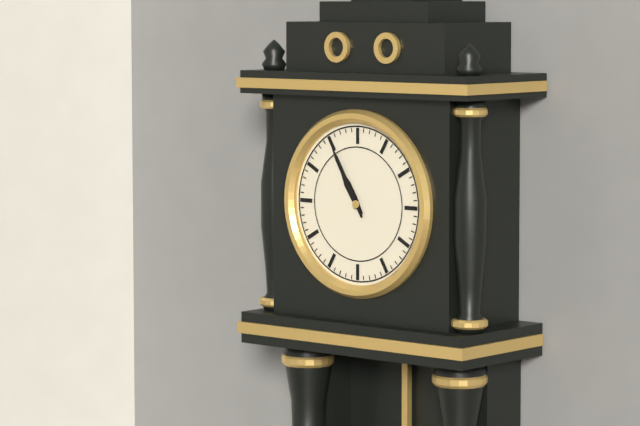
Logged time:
10h55
